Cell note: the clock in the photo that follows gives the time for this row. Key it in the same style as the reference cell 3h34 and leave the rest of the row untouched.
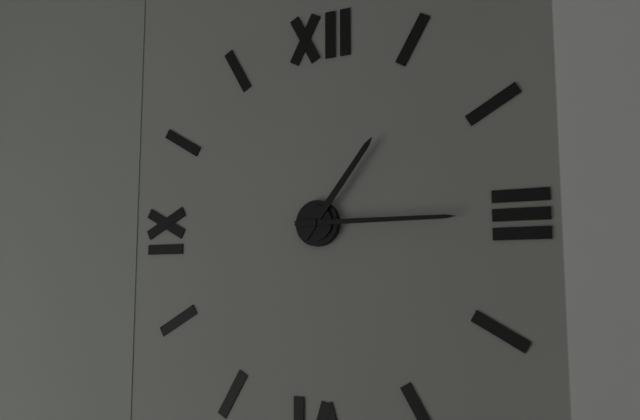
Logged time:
1h15
